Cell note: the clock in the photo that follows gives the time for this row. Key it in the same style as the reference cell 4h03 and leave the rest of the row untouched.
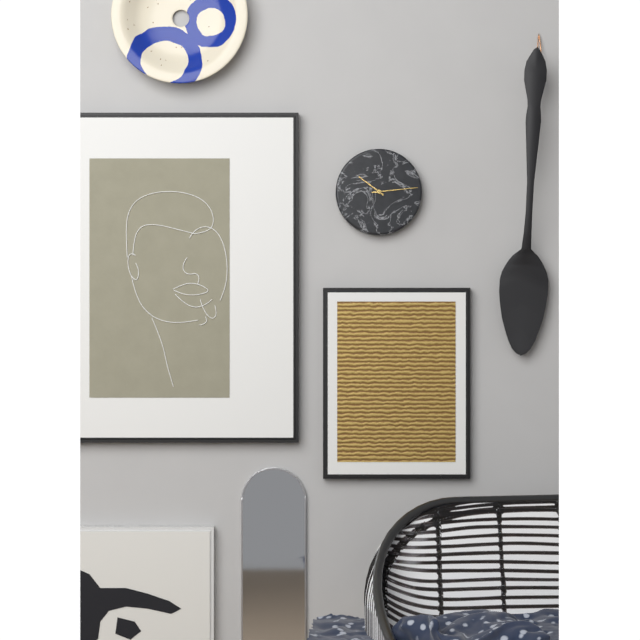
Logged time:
10h14
